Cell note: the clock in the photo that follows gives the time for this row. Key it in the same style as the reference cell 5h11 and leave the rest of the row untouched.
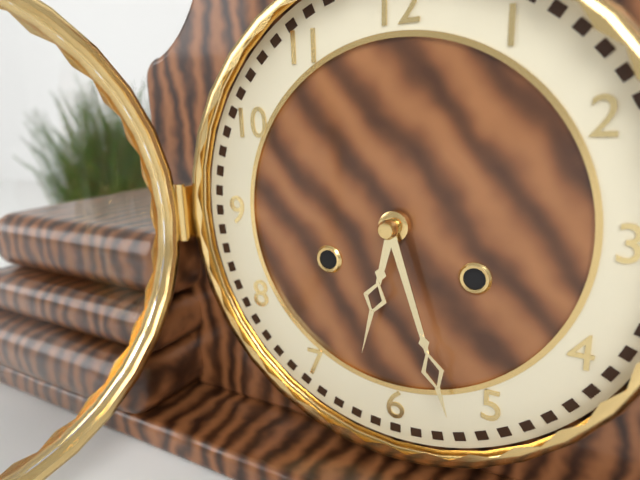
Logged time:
6h27
